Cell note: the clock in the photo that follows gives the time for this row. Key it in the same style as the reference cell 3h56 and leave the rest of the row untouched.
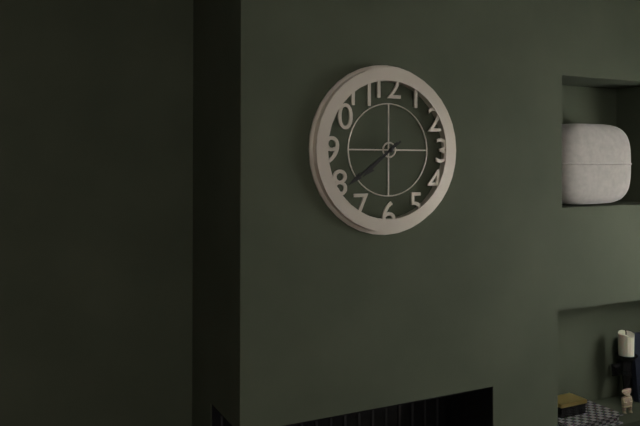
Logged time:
7h39
